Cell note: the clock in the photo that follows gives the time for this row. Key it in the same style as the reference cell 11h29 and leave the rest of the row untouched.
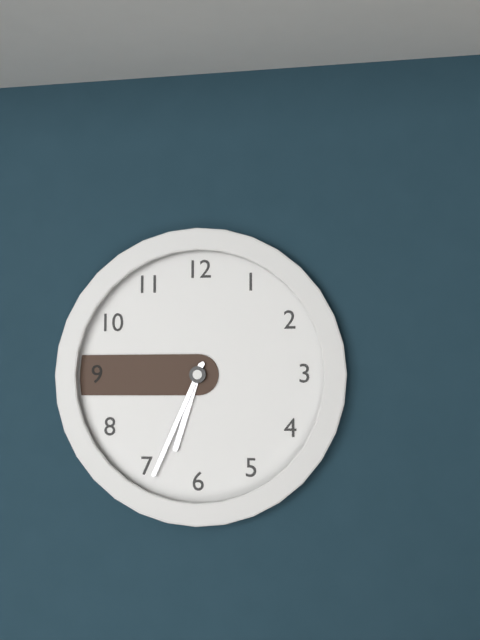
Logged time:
6h34
